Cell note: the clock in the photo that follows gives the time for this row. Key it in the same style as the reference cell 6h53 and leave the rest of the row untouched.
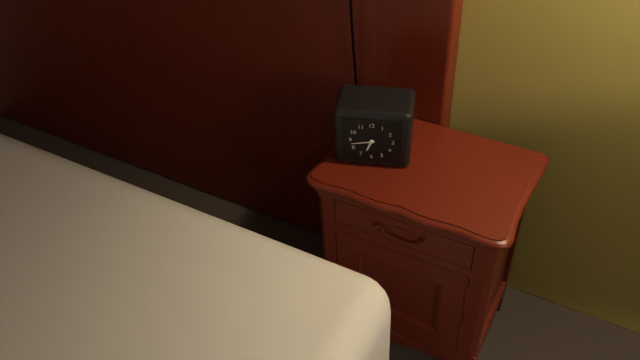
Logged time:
6h43
